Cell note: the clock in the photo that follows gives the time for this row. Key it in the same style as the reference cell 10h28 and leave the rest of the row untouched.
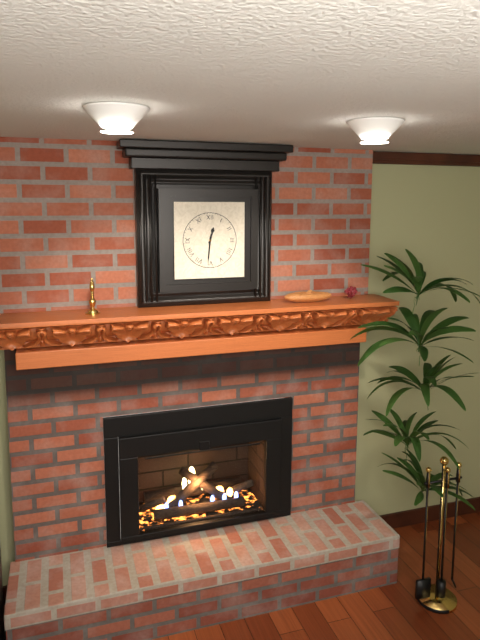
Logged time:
12h31
